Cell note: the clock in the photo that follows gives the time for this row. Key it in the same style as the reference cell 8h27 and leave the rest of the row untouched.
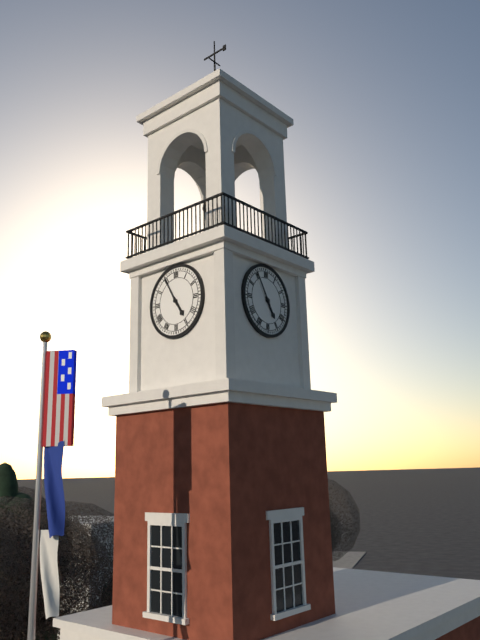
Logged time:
4h55
